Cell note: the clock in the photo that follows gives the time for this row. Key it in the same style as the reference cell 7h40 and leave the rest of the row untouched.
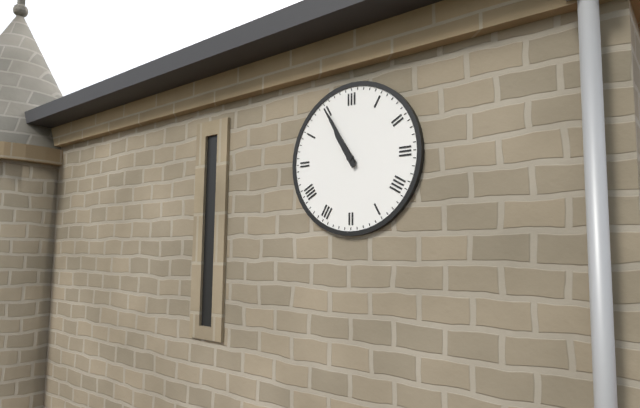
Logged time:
10h55
